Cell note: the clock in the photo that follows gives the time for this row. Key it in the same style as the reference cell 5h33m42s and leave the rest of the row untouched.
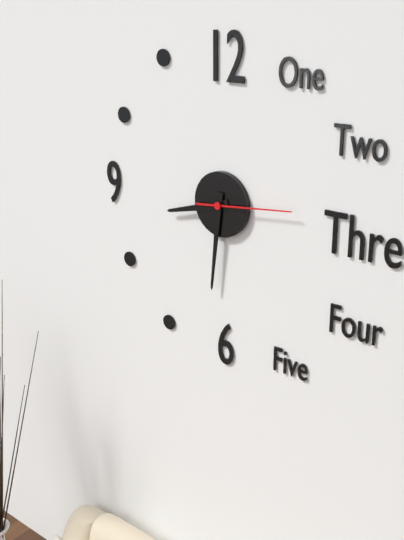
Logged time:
8h31m14s
